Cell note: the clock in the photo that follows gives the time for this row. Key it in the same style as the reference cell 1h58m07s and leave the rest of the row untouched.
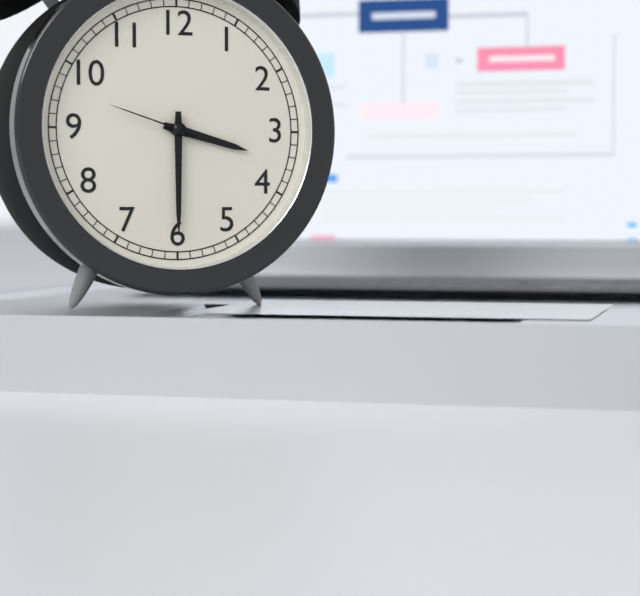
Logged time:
3h30m48s
